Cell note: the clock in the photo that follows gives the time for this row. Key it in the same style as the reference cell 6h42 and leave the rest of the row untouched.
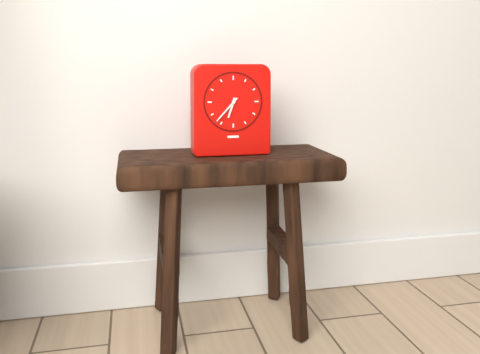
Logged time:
6h37
